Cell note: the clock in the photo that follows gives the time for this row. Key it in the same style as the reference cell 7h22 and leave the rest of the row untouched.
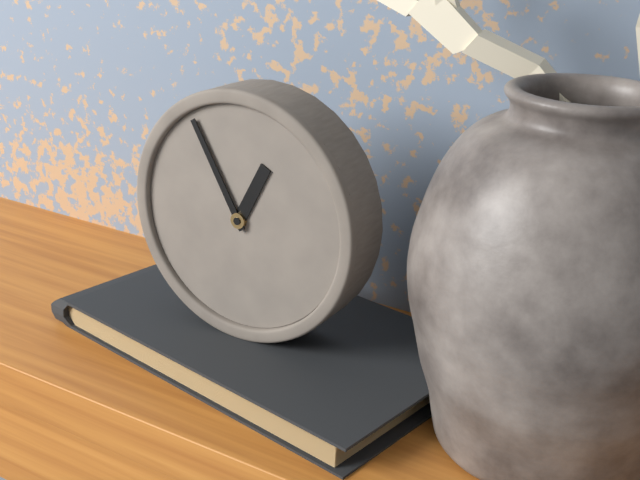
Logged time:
12h55
